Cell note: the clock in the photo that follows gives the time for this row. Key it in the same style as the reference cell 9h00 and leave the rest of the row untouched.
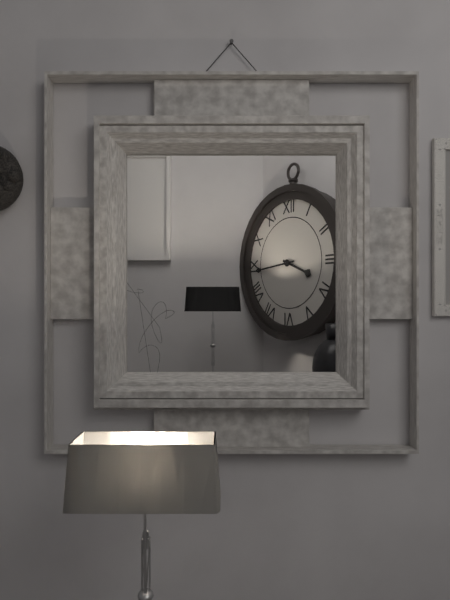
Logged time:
3h44
